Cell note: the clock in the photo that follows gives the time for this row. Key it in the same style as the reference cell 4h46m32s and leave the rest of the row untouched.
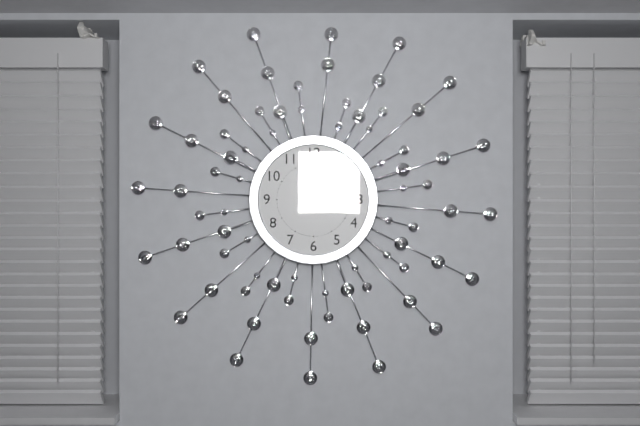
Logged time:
12h05m10s
